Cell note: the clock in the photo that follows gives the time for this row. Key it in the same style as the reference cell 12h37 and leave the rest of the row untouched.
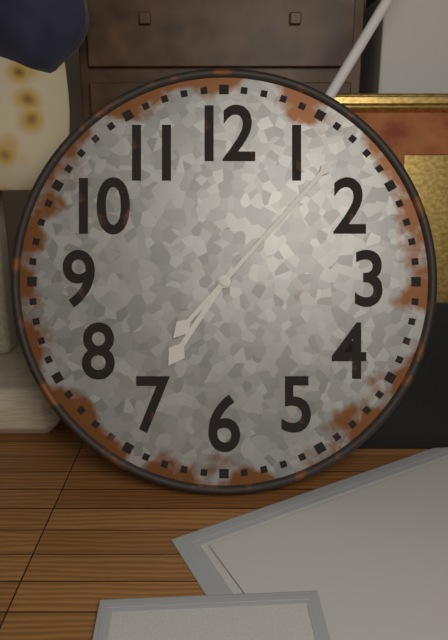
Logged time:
7h07
